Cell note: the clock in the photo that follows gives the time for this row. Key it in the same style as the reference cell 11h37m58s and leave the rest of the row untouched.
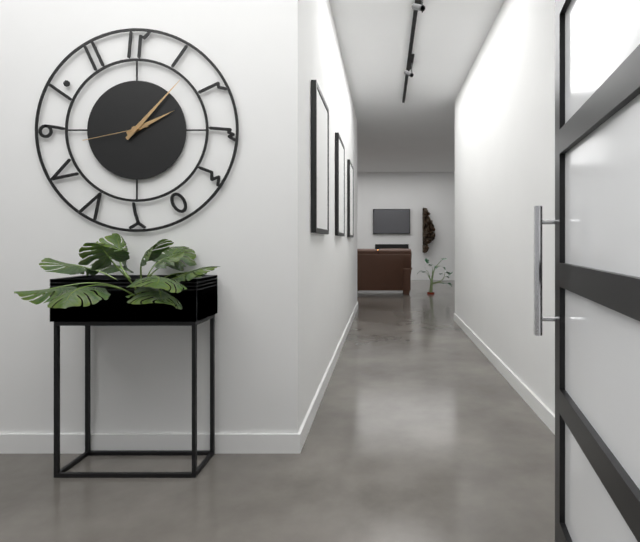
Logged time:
2h07m43s
